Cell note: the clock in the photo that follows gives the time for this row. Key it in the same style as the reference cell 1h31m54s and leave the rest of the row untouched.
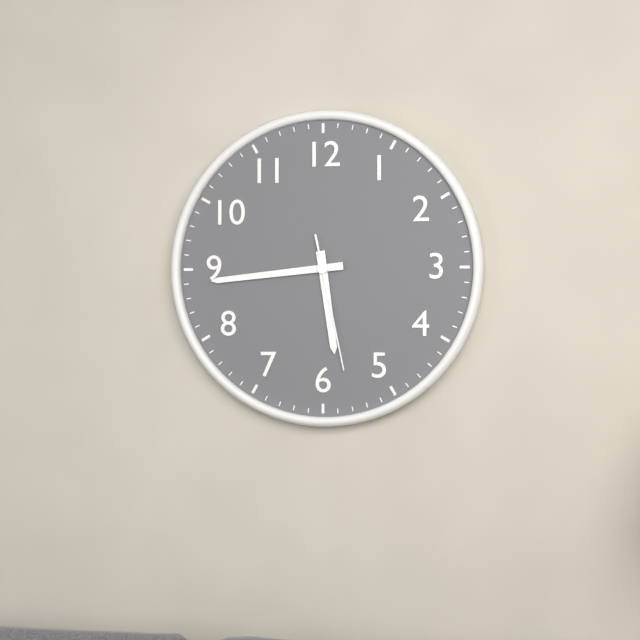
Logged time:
5h44m28s
